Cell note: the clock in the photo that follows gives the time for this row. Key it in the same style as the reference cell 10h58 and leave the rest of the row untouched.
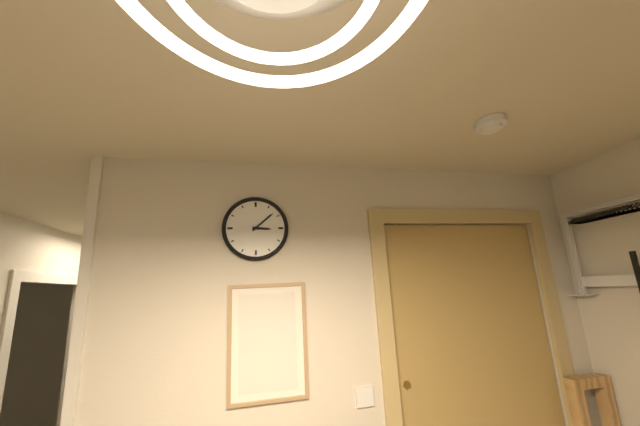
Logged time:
3h08
